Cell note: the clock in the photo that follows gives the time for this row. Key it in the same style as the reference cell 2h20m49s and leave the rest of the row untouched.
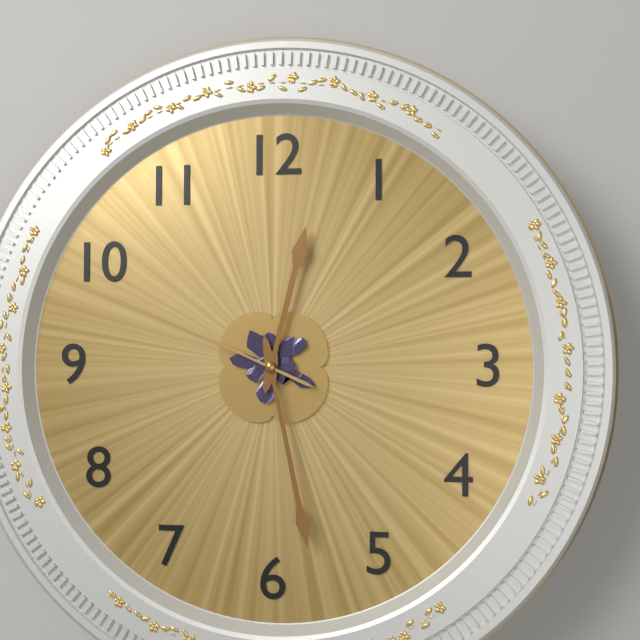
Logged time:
12h28m49s
